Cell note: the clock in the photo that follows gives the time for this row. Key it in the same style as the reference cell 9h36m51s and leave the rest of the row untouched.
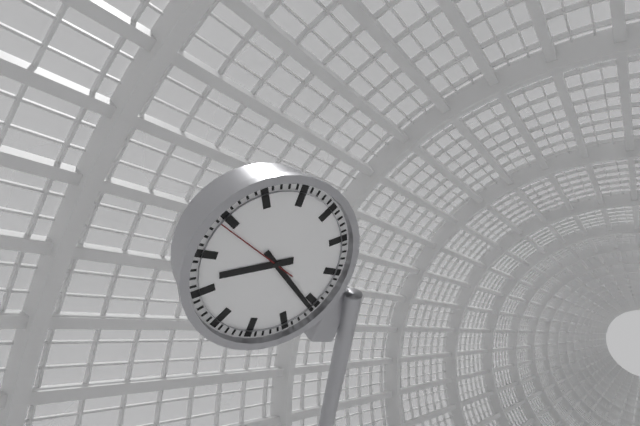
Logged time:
8h21m49s
